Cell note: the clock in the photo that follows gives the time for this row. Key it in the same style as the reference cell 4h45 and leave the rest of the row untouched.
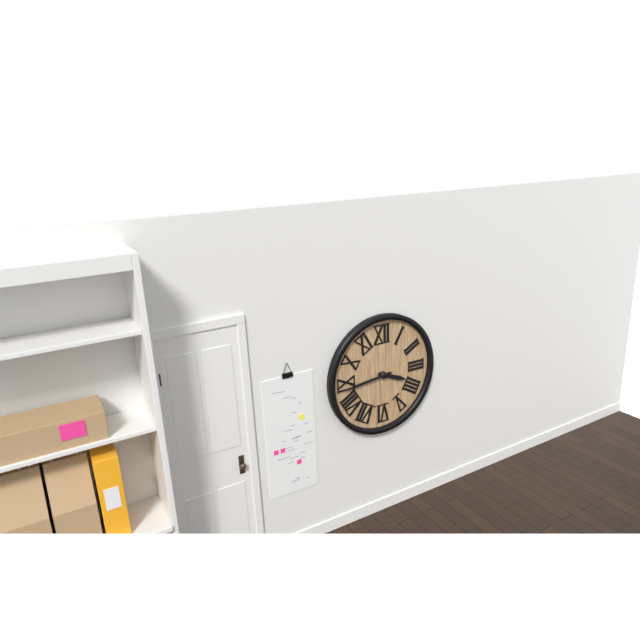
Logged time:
3h44
